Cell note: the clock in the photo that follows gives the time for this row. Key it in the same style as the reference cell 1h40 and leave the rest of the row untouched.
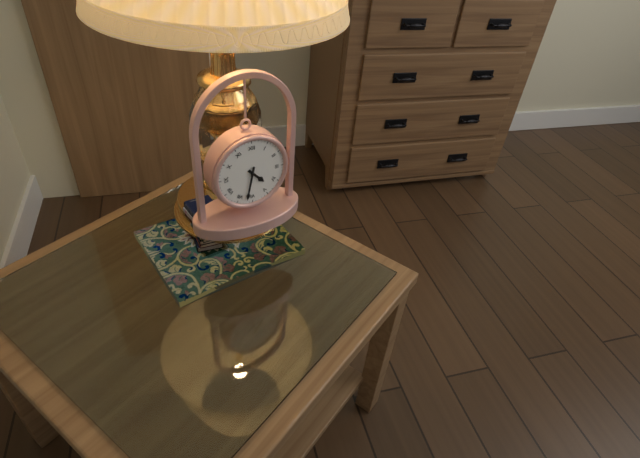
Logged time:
4h32
